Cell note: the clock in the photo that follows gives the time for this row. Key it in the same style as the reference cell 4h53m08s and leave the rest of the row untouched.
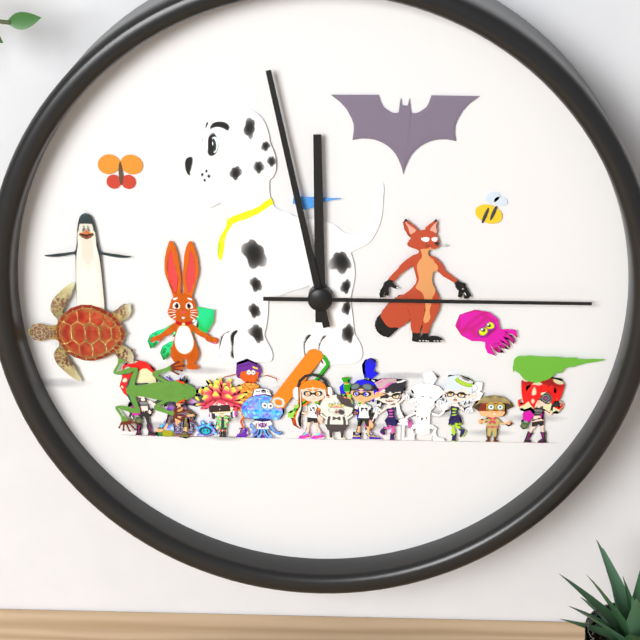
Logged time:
11h58m15s
